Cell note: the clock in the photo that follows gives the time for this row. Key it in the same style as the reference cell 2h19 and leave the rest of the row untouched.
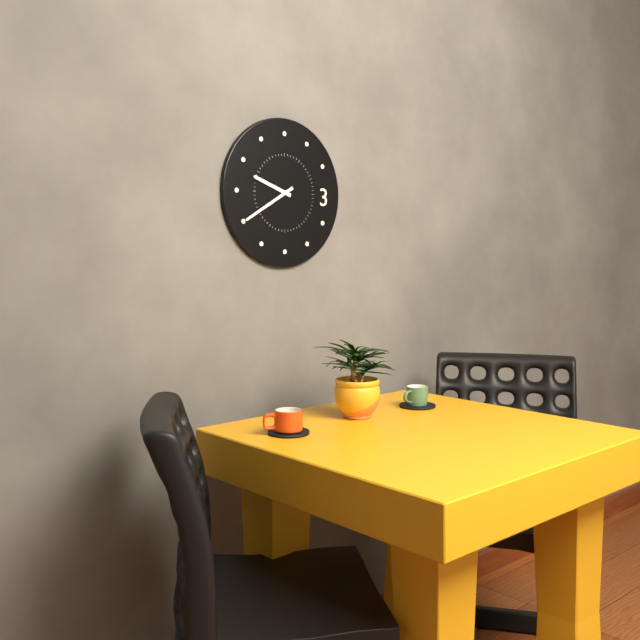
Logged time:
9h40
